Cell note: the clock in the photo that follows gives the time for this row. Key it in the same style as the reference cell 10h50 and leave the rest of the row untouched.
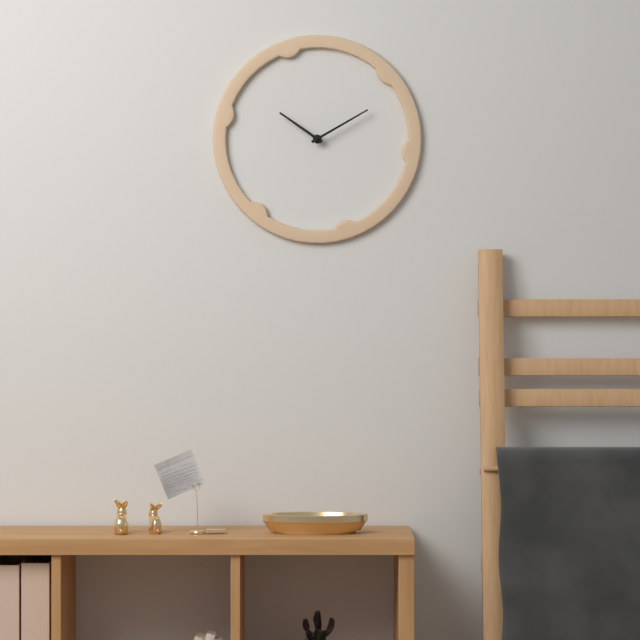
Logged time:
10h10
